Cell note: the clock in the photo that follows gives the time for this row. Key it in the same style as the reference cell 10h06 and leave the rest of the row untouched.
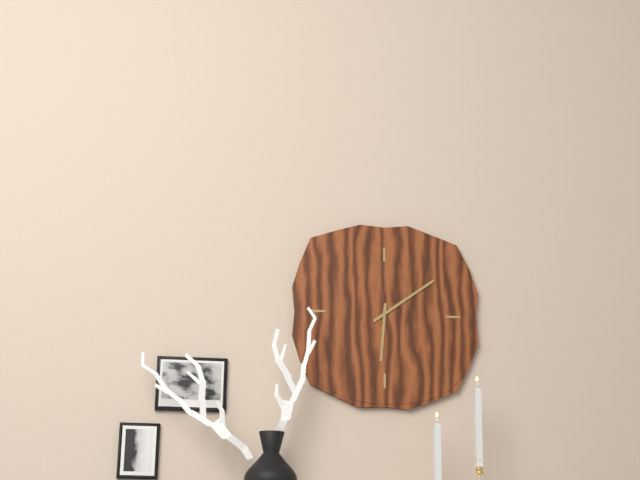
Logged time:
6h09
